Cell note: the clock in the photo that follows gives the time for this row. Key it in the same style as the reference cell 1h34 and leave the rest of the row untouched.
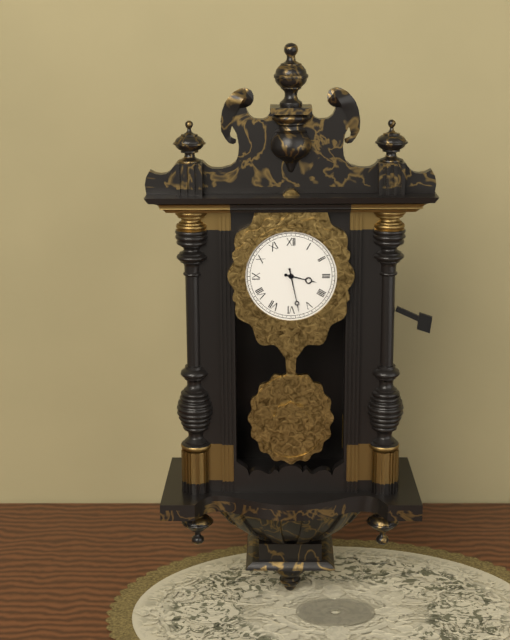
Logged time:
3h28
